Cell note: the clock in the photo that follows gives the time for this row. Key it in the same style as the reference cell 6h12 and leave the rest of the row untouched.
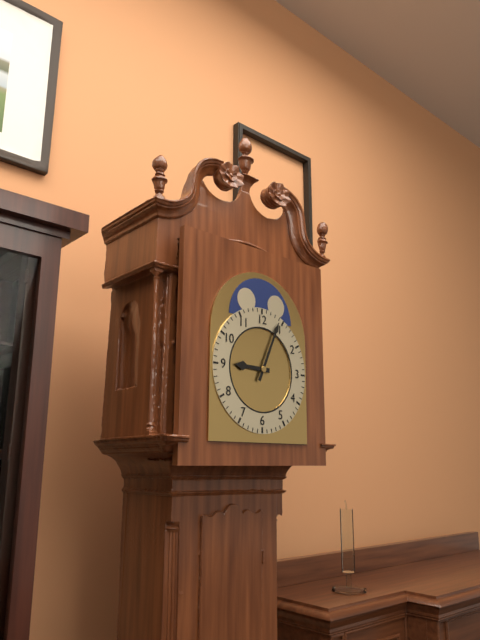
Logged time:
9h04
